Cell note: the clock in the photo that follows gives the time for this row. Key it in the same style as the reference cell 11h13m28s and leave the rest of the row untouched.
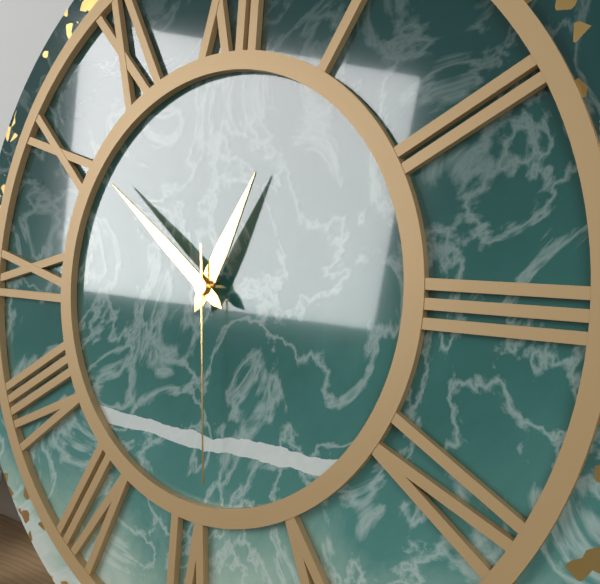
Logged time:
12h51m29s
